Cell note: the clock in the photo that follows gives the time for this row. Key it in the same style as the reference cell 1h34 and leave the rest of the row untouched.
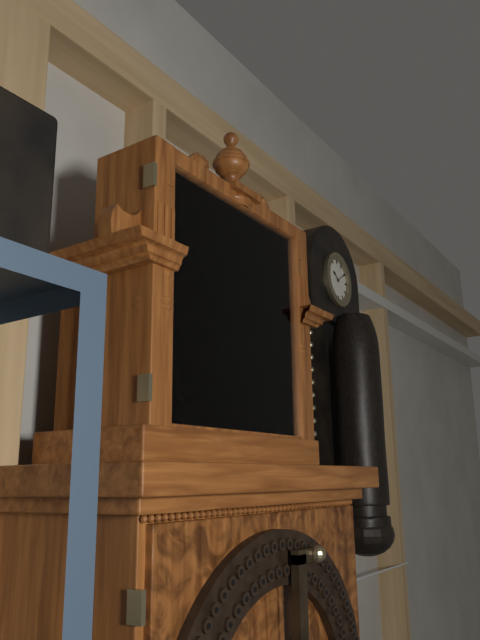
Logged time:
1h26
